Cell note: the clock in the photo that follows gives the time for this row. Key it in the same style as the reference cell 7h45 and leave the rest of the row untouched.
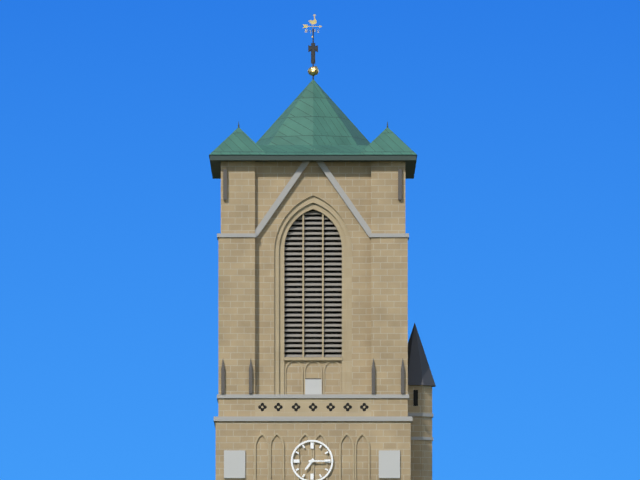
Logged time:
7h15
